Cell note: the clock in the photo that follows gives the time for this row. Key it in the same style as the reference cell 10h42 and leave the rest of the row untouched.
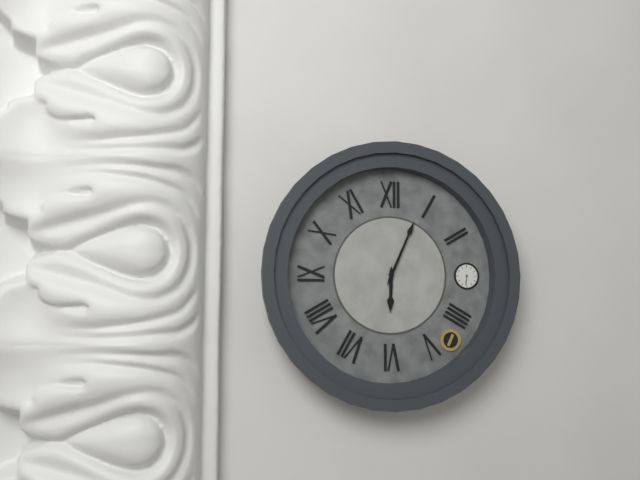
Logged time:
6h04
